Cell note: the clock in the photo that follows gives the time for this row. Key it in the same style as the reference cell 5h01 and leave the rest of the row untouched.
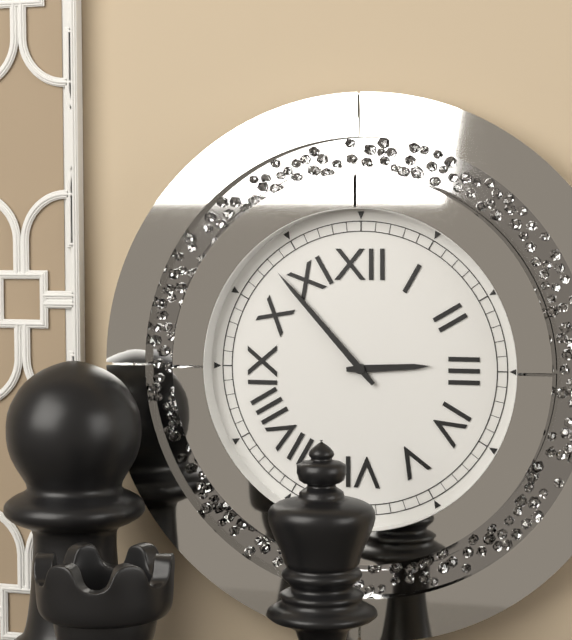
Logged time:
2h53
